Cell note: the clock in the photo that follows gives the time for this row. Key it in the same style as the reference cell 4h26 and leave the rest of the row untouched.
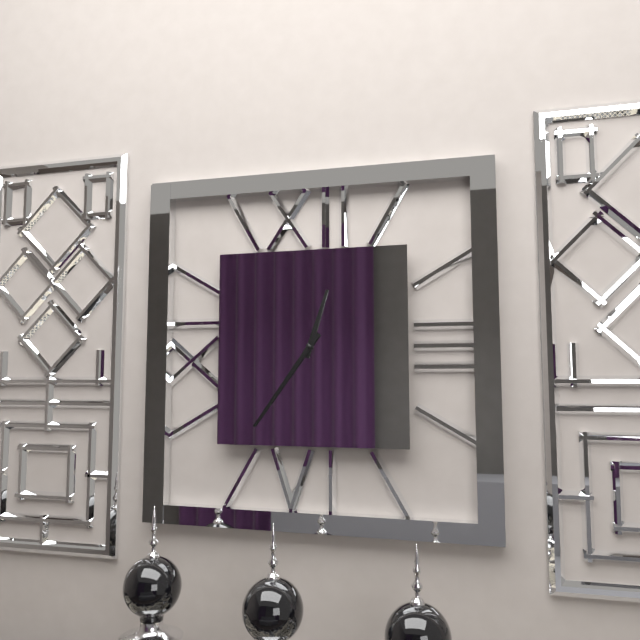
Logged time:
12h36
